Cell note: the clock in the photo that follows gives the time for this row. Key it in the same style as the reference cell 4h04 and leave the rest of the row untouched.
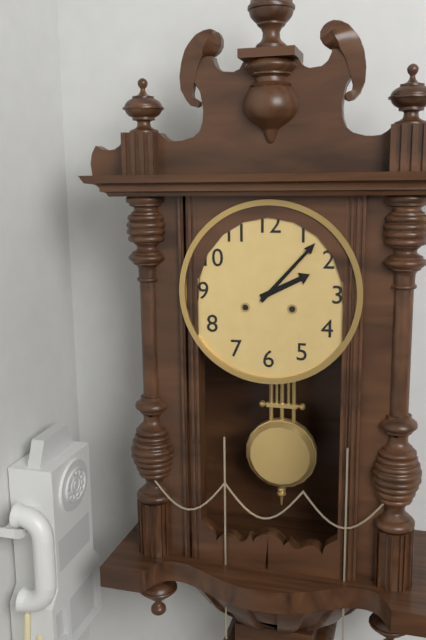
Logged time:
2h07
